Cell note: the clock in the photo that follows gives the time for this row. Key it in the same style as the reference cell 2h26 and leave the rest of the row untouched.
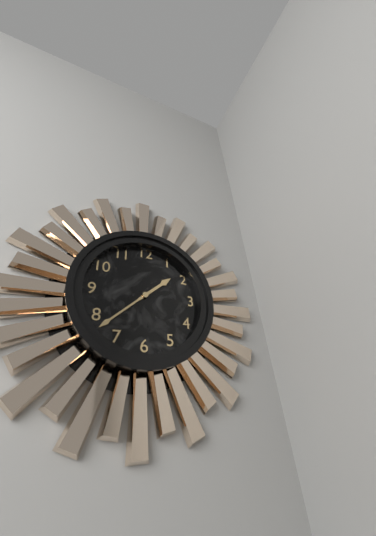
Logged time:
1h38
